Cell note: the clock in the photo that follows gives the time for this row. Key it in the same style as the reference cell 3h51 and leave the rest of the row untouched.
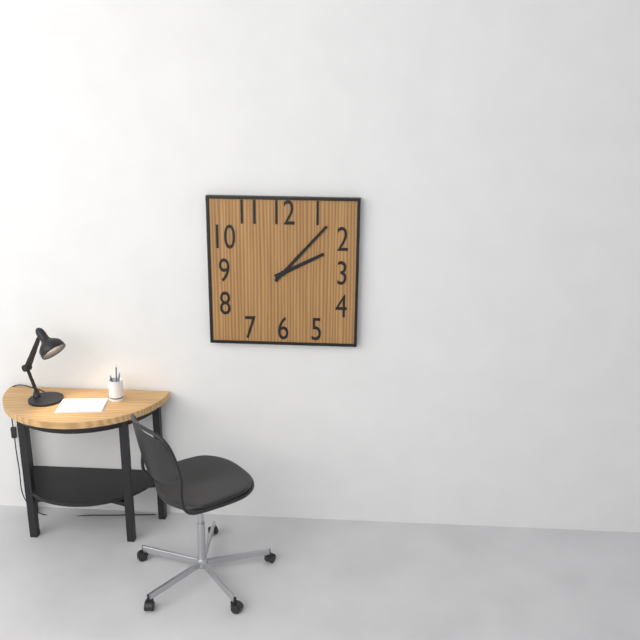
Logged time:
2h07
